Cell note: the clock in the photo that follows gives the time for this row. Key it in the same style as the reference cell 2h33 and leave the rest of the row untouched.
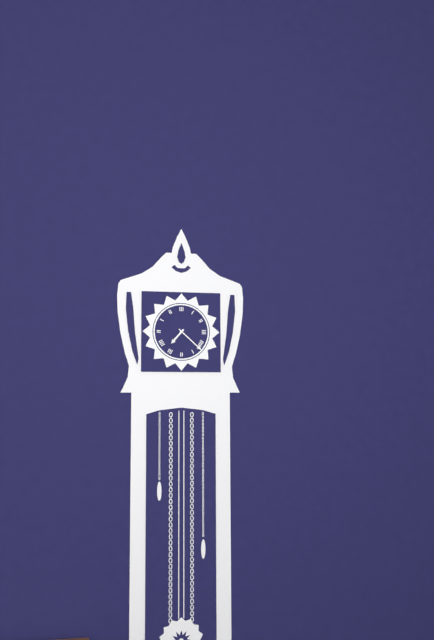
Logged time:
7h22
